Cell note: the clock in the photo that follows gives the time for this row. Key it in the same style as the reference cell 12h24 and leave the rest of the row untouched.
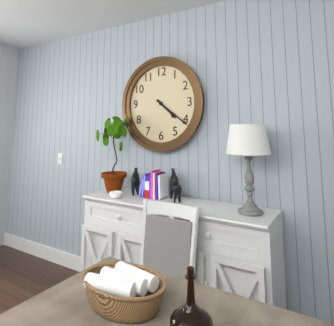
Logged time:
4h21
